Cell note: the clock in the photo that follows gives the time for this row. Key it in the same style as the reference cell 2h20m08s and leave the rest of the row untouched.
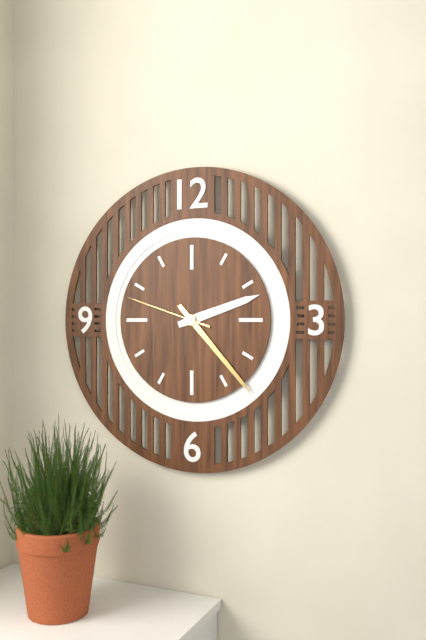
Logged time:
2h23m48s
